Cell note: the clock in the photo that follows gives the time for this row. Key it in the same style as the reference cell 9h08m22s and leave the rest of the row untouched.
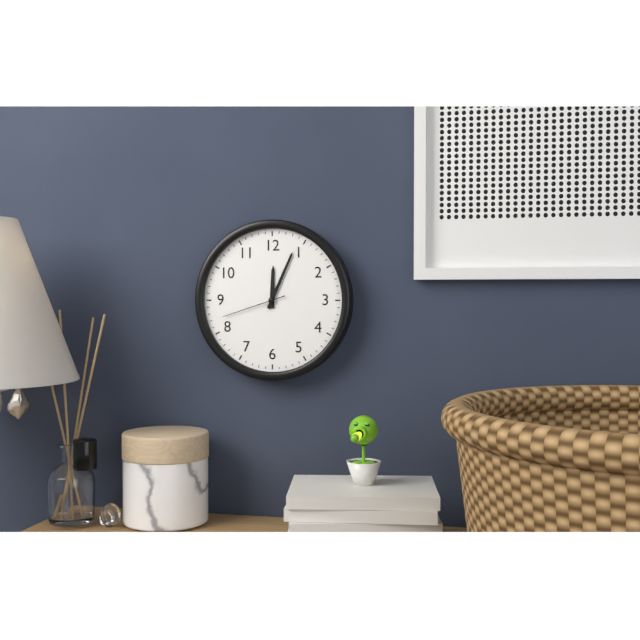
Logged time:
12h04m42s
